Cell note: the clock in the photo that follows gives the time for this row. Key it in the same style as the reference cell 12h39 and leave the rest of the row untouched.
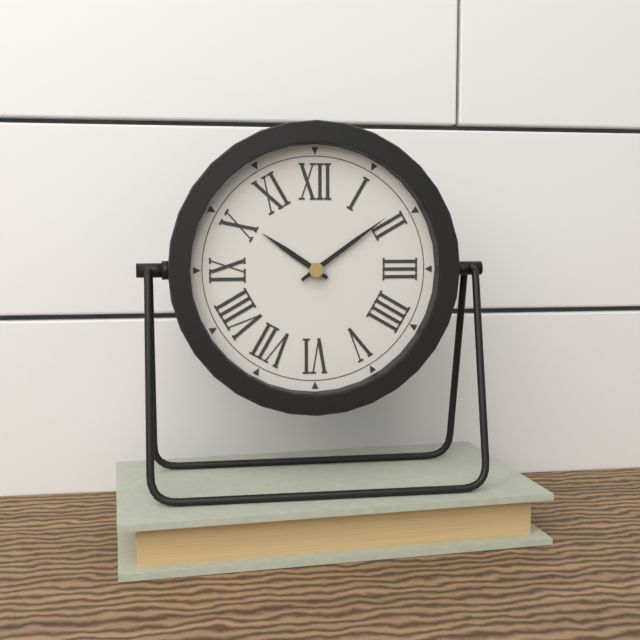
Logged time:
10h09
